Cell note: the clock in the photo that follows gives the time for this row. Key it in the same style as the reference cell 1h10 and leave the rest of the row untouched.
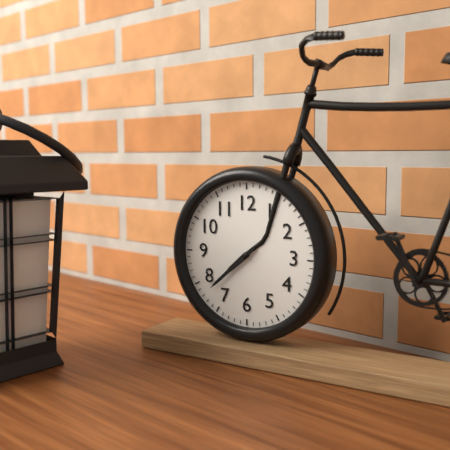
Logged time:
7h38
